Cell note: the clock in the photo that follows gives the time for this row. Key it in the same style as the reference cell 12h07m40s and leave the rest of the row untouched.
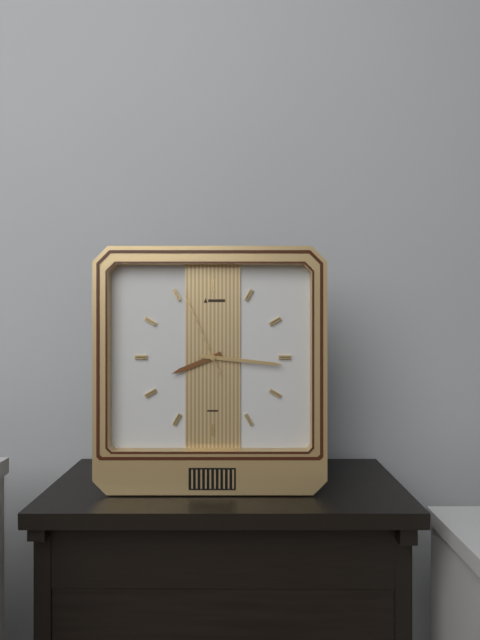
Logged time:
8h16m56s
